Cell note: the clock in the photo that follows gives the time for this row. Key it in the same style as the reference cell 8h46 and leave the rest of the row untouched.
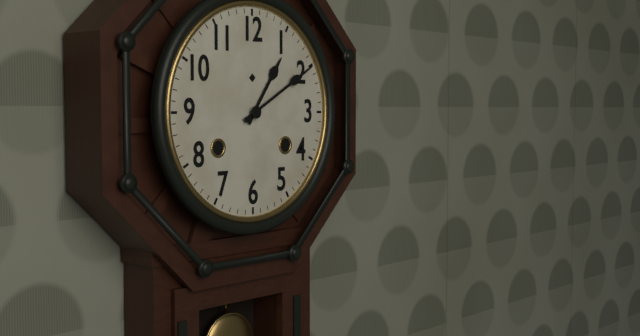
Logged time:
1h10
